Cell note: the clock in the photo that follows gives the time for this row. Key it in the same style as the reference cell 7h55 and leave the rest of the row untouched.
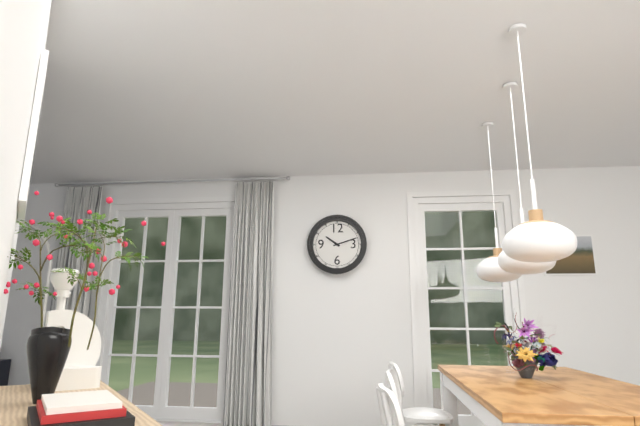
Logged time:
10h12
